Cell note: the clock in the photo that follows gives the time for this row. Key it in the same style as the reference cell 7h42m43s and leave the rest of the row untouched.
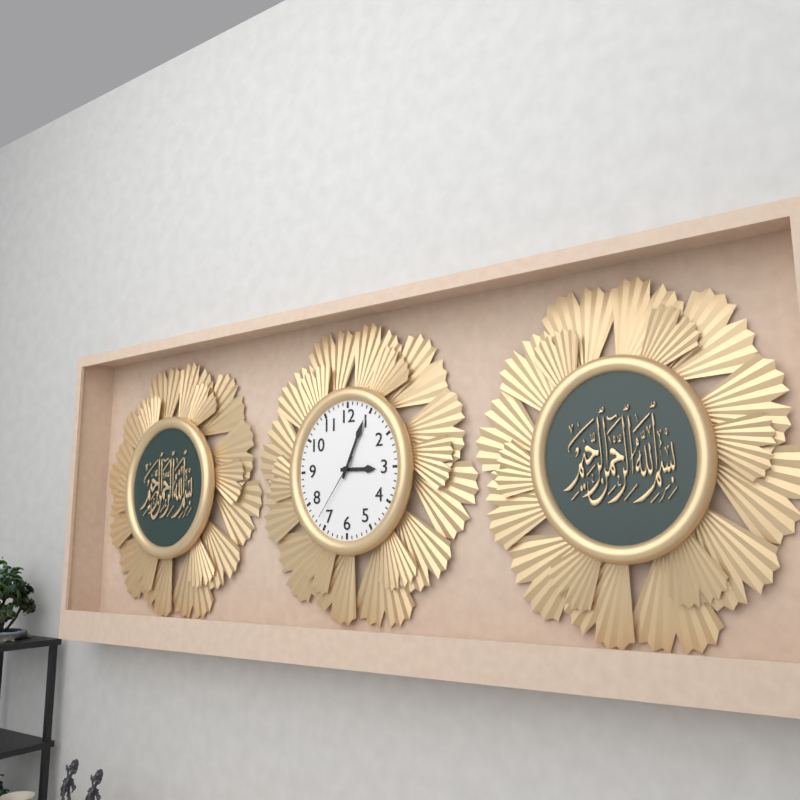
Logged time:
3h04m36s
